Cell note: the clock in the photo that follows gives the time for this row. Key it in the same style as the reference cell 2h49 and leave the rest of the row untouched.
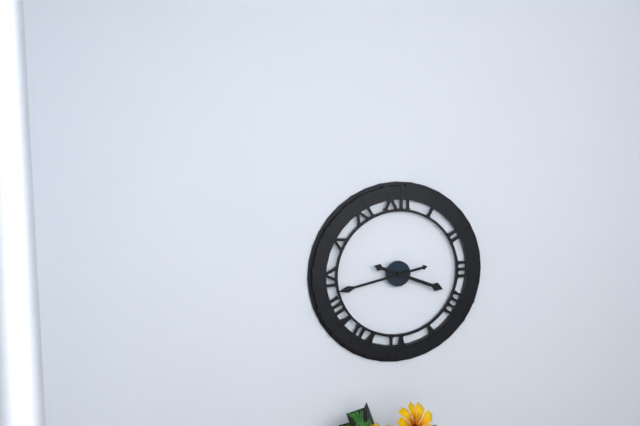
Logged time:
3h43
